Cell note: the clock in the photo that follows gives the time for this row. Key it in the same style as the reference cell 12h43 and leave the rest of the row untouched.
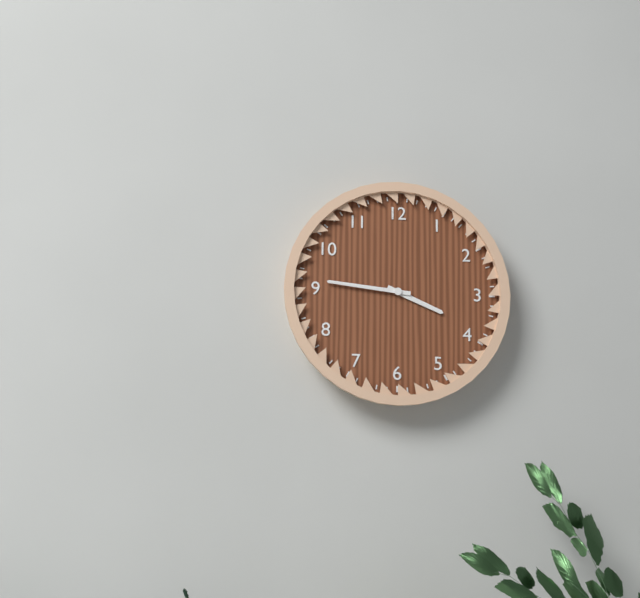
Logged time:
3h46
